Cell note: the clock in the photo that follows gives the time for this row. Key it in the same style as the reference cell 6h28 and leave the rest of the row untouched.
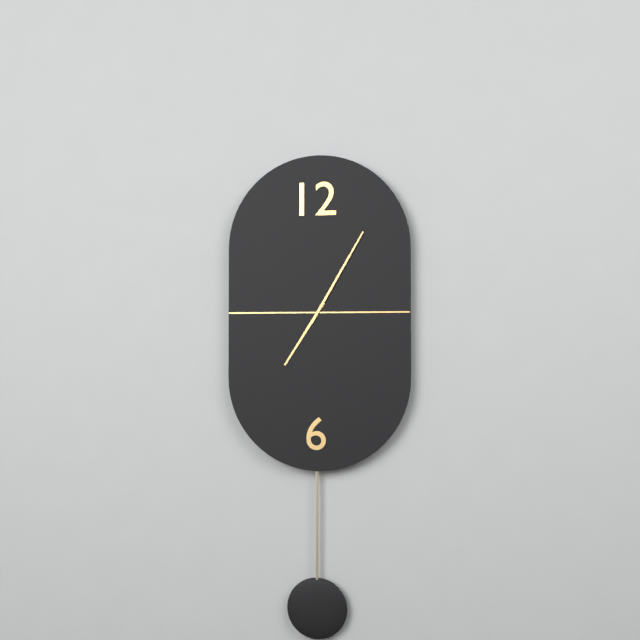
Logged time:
7h05
